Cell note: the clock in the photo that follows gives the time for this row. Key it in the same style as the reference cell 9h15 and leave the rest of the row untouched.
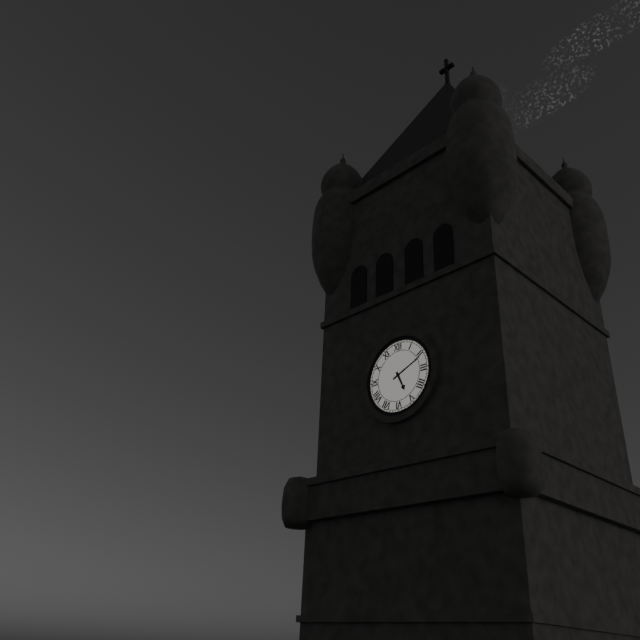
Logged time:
5h11
